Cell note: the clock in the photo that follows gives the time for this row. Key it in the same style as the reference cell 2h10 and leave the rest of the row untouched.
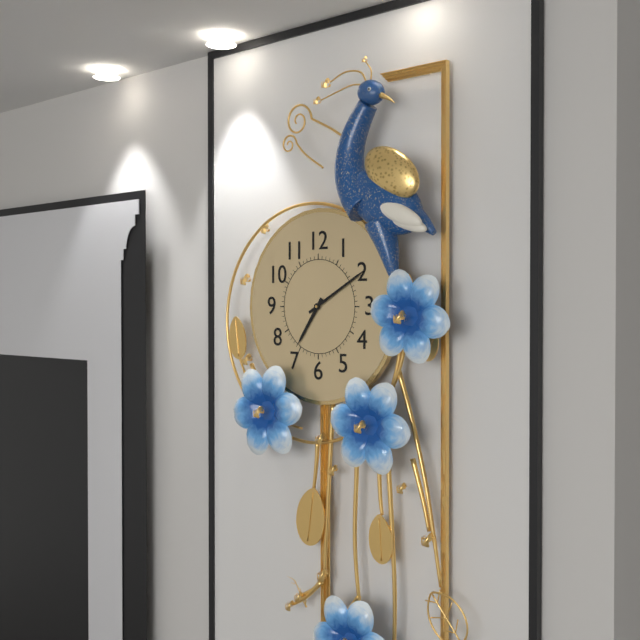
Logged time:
7h10
